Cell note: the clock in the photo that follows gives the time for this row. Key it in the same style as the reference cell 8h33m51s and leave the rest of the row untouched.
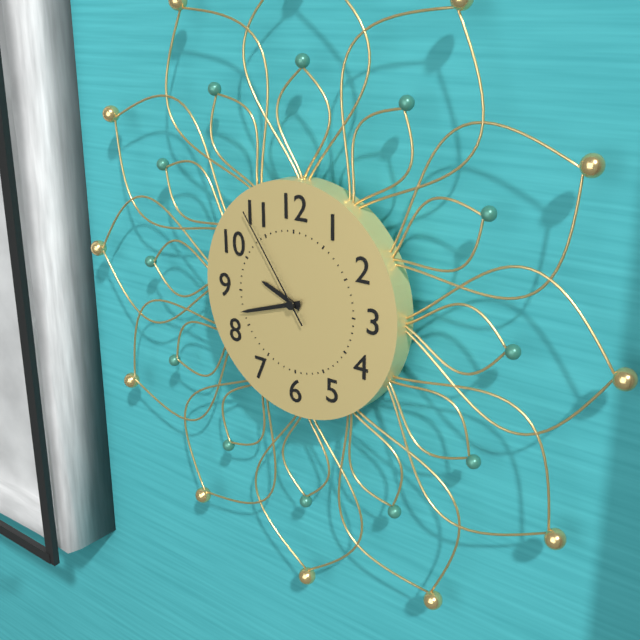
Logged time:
9h42m54s
